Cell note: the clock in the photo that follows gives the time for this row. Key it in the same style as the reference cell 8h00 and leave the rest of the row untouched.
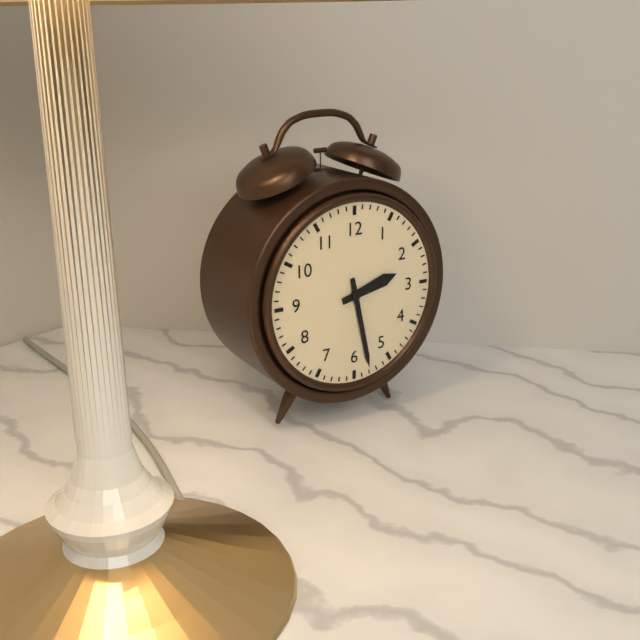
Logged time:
2h28
